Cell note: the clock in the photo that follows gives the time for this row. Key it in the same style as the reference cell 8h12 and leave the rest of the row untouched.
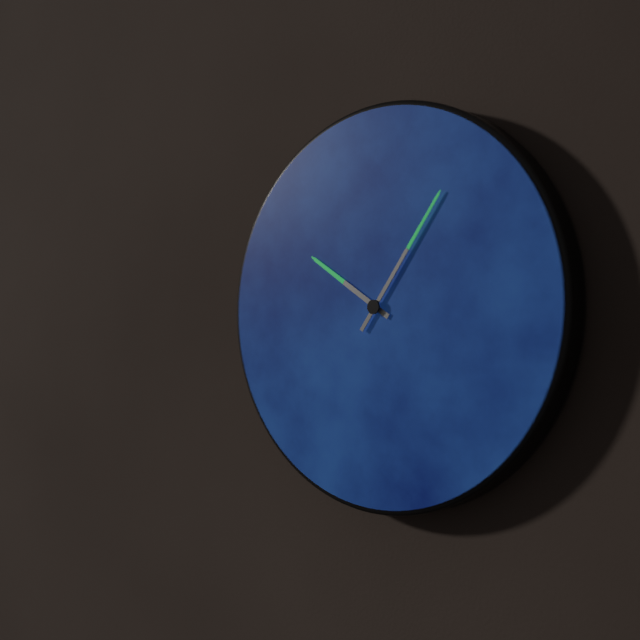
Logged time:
10h06
